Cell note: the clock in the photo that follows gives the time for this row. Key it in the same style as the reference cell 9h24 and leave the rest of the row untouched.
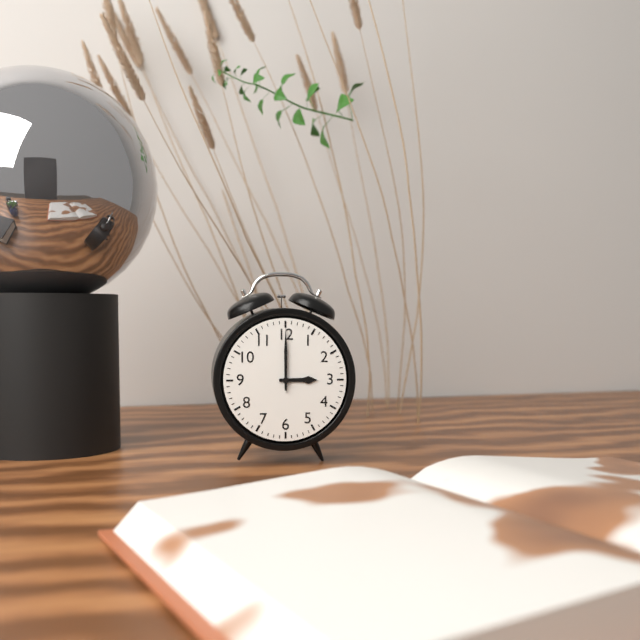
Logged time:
3h00
